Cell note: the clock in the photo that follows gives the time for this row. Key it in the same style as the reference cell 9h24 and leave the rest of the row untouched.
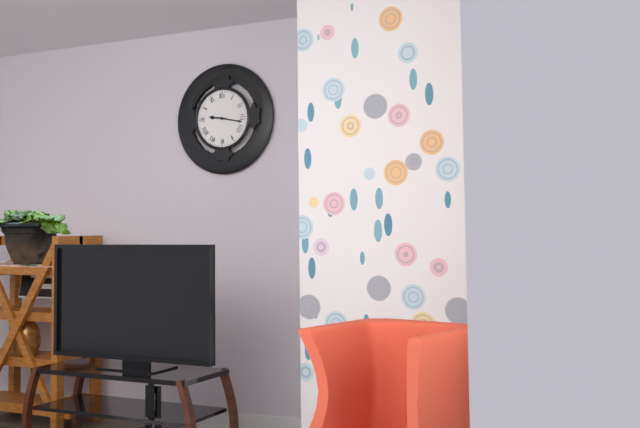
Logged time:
9h17
